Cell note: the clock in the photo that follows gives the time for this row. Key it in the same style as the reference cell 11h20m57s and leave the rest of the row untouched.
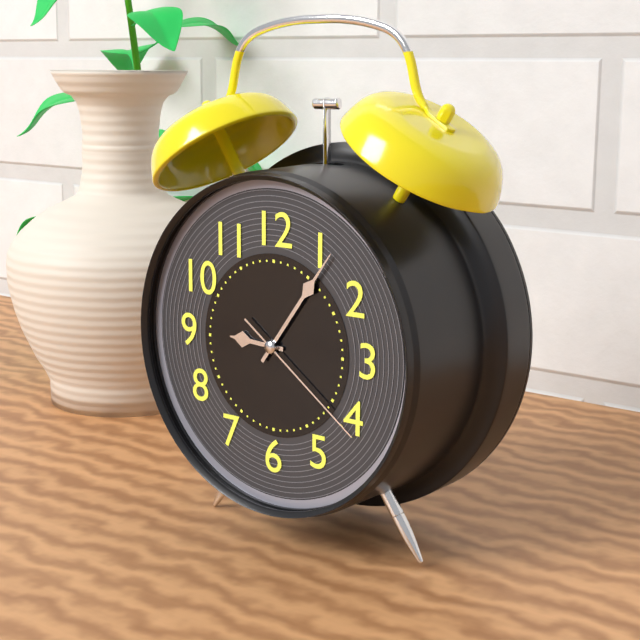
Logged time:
9h06m21s
